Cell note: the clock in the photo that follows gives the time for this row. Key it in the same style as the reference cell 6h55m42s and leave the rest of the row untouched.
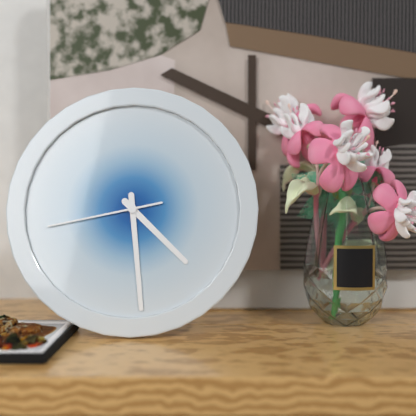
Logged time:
4h29m43s
